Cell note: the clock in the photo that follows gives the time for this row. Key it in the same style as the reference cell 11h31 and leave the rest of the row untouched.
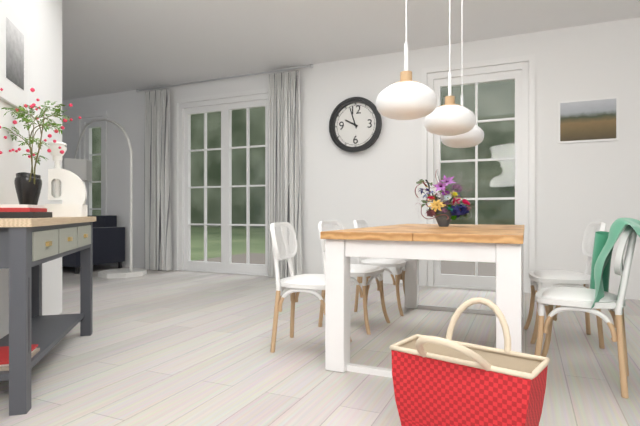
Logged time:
9h57
